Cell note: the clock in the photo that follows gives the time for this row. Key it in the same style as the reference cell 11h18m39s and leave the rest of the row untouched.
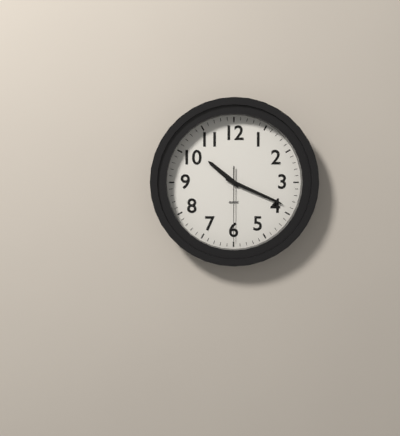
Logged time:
10h19m30s
